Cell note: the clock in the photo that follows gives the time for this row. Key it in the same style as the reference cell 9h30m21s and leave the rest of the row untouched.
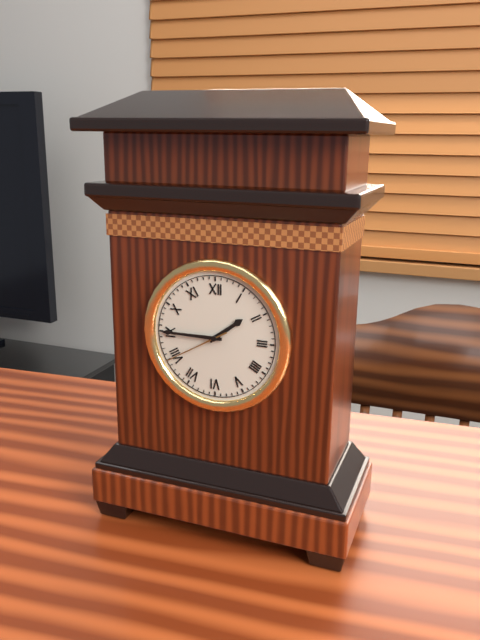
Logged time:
1h45m40s
